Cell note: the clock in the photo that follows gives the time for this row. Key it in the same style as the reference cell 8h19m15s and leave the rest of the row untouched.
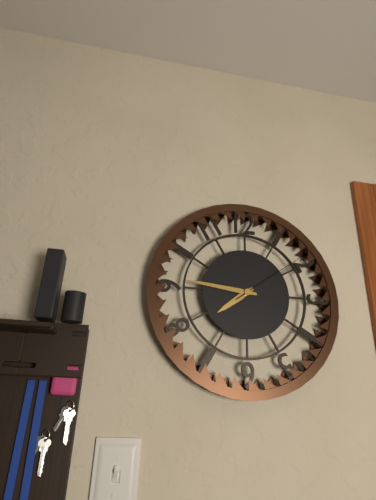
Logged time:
7h46m09s
